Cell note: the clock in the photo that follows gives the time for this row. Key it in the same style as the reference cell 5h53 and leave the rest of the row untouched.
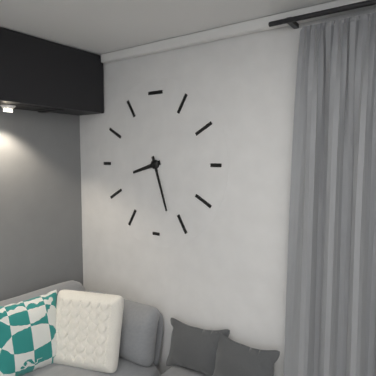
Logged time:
8h27
